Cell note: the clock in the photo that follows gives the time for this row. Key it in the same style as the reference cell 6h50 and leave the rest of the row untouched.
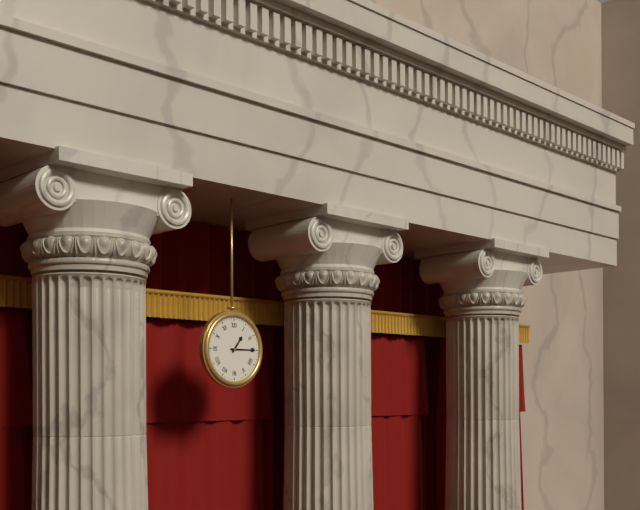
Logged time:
1h15
